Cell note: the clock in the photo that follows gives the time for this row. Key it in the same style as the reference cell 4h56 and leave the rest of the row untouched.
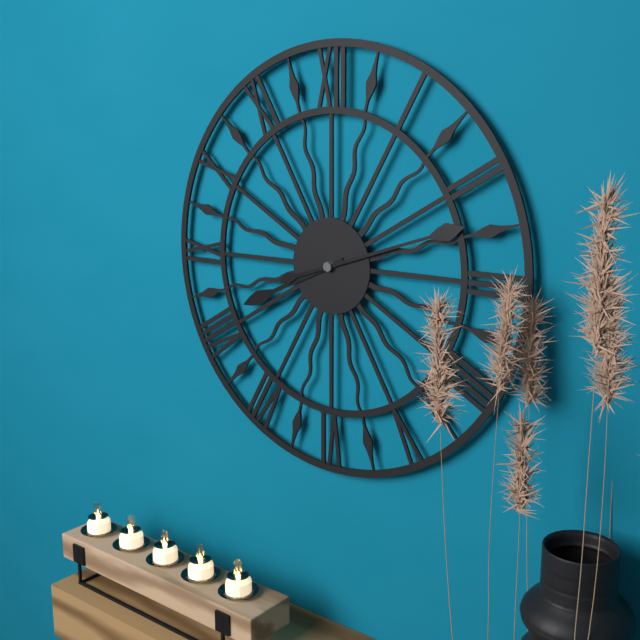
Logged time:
8h12
